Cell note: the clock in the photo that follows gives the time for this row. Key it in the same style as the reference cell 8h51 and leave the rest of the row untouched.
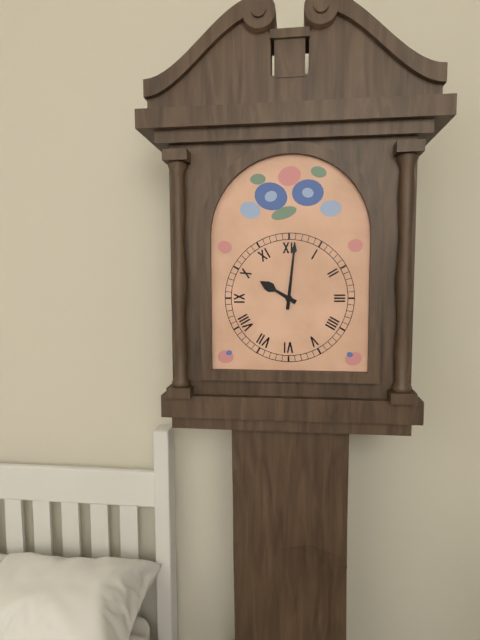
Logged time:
10h01
